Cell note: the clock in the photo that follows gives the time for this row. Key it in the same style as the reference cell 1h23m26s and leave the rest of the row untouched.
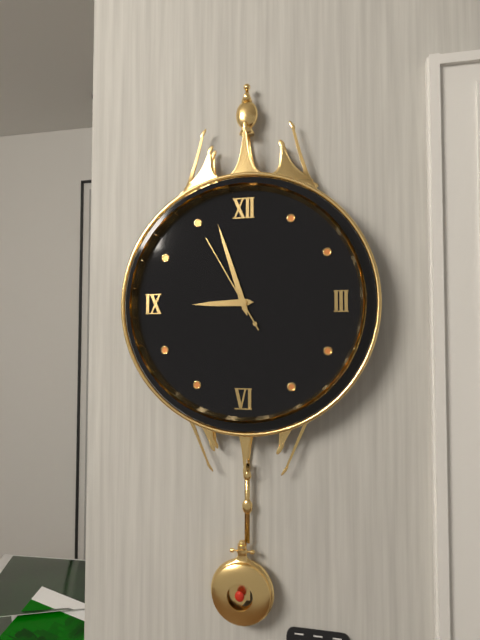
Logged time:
8h57m55s
